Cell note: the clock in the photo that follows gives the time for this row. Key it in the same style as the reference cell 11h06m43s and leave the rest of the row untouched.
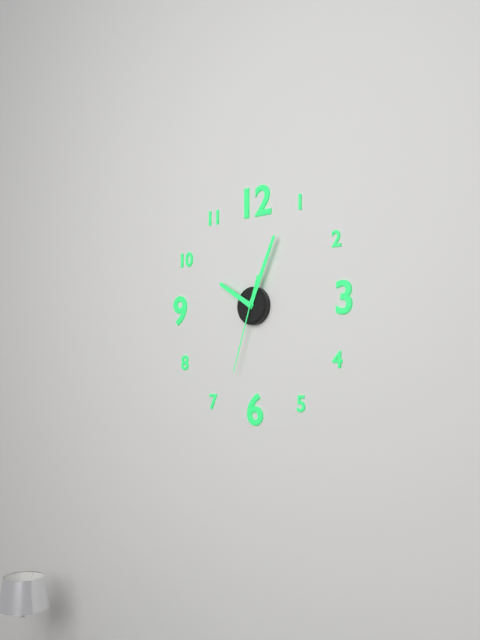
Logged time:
10h04m33s
